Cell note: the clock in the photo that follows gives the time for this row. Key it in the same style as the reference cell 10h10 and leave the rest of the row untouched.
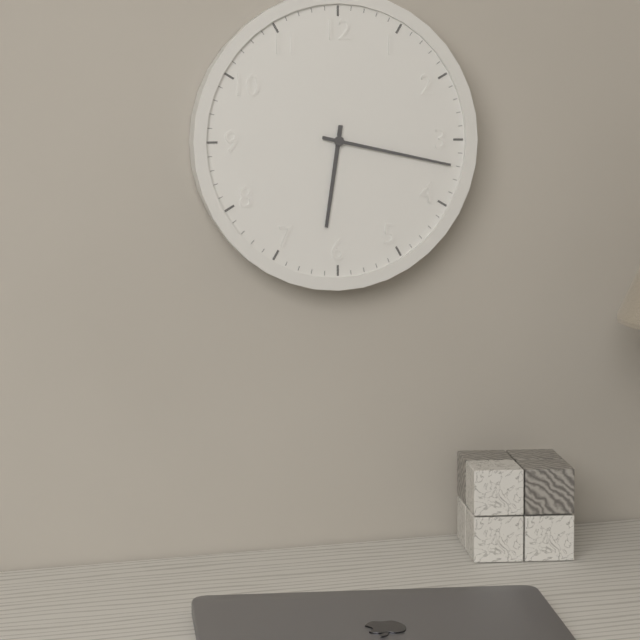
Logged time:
6h17
